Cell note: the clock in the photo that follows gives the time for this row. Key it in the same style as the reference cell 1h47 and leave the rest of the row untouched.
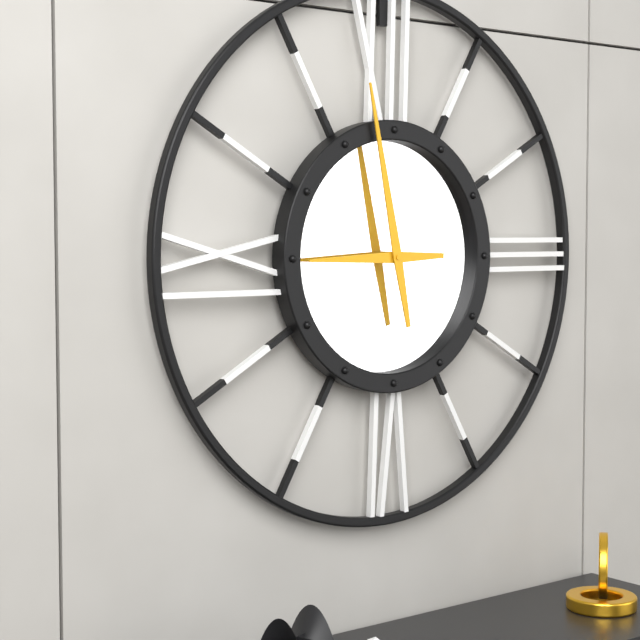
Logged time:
8h58
